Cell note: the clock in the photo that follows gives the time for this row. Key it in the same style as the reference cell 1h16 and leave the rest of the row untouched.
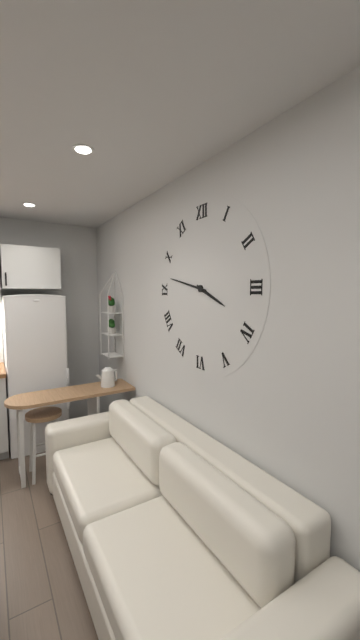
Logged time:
3h47
